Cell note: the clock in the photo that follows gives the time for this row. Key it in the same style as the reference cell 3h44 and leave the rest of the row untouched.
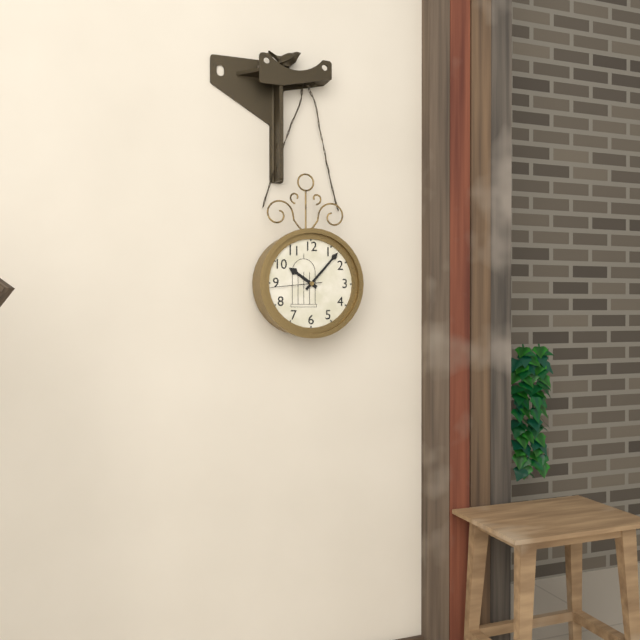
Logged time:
10h07
